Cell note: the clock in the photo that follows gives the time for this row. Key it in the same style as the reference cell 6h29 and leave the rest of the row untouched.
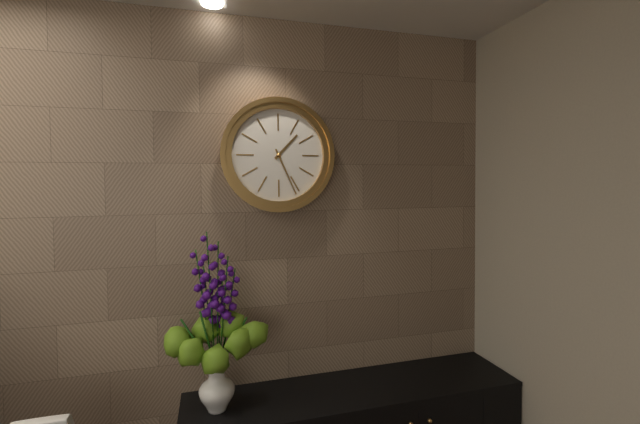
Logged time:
1h26
